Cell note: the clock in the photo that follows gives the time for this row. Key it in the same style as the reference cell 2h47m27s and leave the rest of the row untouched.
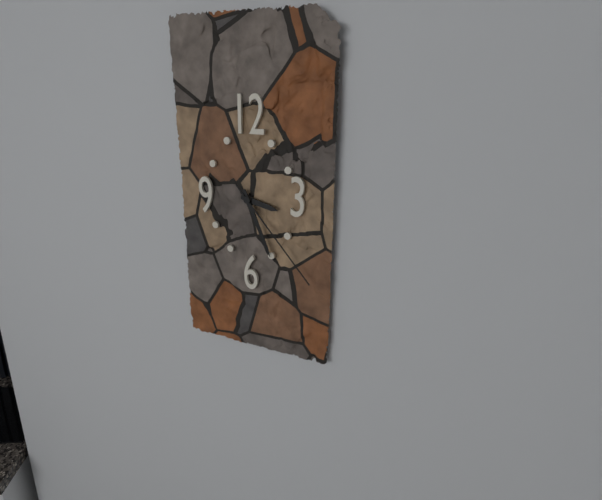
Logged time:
3h26m23s
